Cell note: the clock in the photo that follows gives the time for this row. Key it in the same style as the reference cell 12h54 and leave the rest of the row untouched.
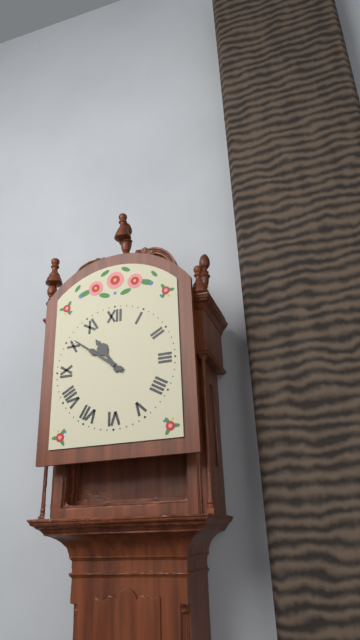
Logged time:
10h51
